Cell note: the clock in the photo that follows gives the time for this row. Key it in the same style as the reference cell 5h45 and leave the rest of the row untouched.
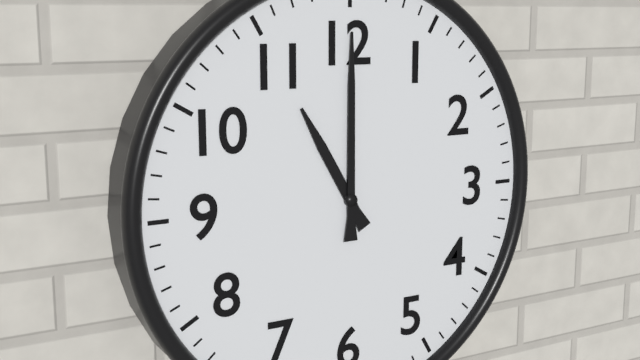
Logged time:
11h00
